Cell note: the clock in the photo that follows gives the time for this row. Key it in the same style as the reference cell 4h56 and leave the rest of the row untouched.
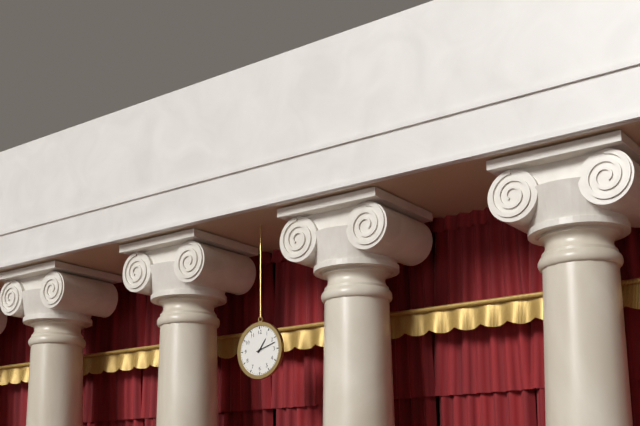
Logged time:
1h12
